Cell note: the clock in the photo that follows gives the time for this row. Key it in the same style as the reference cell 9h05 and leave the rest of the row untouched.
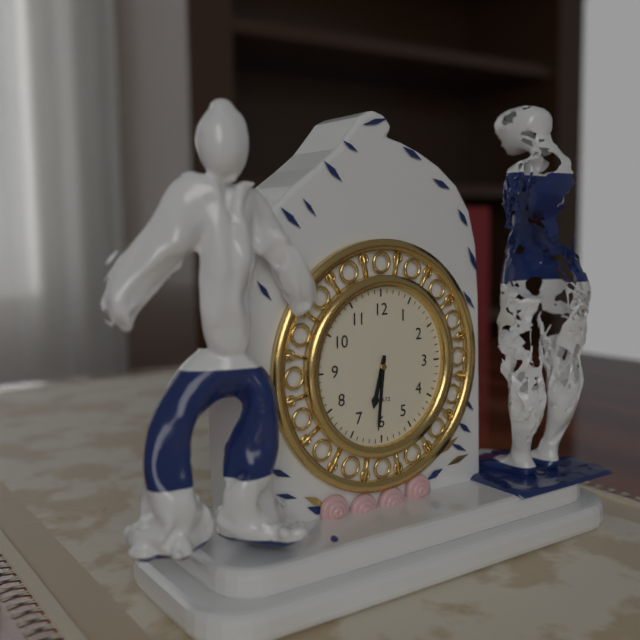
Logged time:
6h31
